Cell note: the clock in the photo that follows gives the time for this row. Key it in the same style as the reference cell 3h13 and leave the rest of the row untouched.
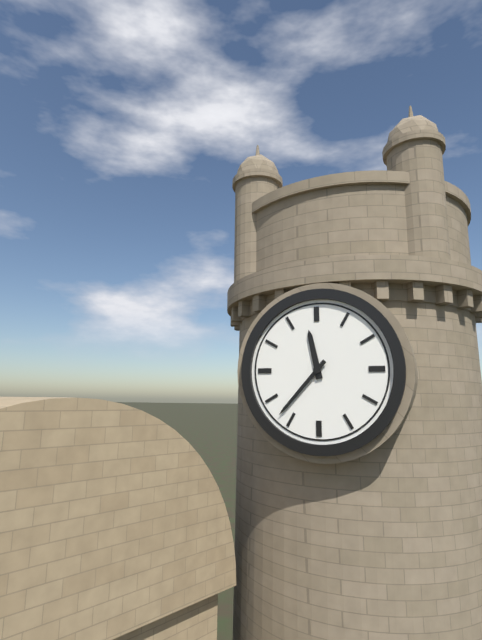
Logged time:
11h37
